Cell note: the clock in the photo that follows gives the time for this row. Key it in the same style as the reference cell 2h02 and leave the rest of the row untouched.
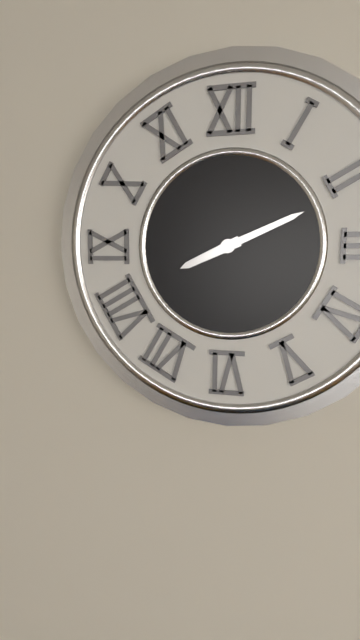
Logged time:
8h11
